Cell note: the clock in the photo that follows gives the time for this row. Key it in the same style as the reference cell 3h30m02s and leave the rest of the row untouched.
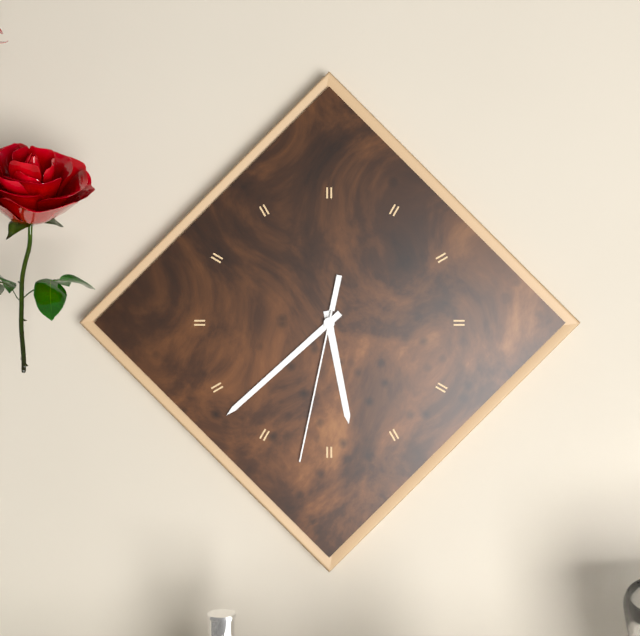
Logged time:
5h38m32s
